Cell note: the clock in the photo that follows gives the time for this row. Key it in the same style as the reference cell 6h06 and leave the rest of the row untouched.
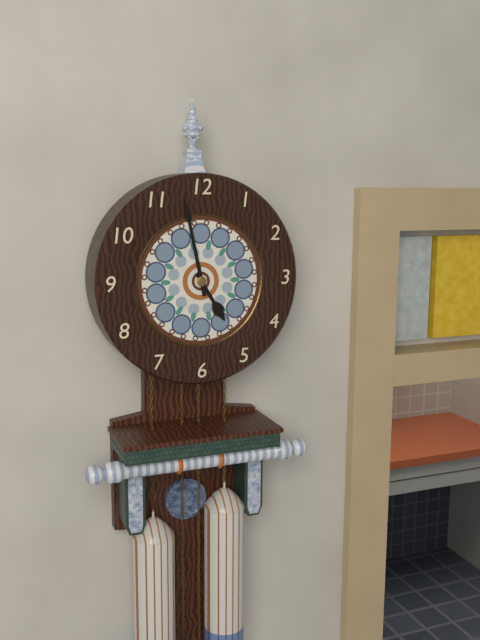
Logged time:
4h58
